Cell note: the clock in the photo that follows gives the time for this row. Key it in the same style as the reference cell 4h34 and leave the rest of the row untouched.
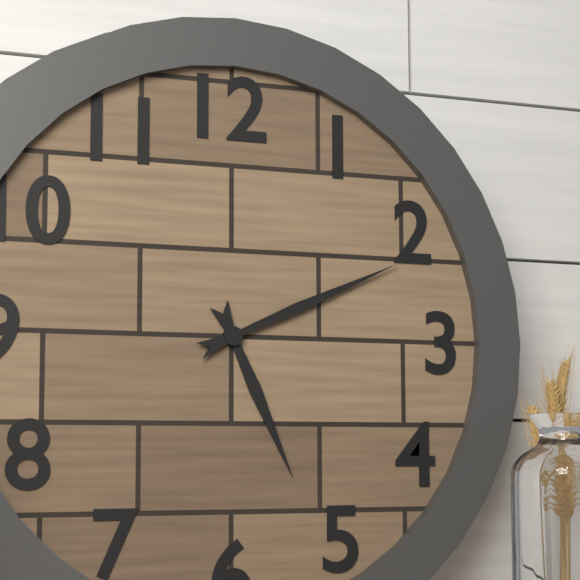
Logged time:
5h11
